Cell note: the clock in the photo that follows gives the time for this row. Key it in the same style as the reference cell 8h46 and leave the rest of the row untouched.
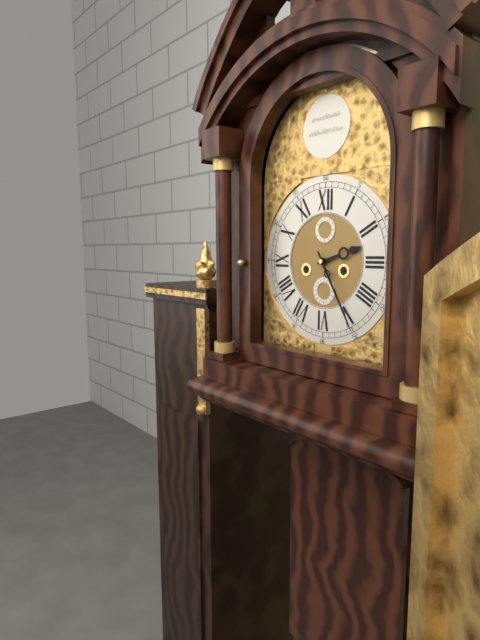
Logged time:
2h25
